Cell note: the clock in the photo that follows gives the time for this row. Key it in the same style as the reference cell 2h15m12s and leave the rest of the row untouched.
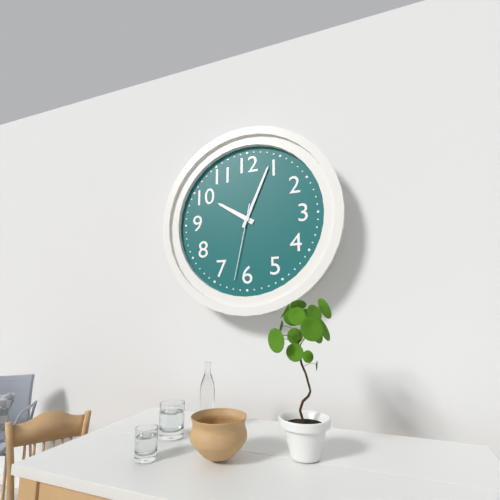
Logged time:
10h04m32s
